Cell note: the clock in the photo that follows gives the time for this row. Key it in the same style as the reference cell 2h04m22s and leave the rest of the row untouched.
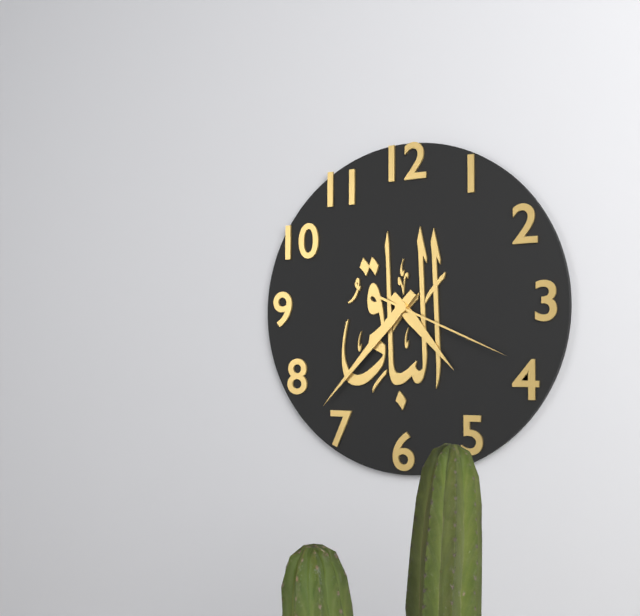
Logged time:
4h37m19s
